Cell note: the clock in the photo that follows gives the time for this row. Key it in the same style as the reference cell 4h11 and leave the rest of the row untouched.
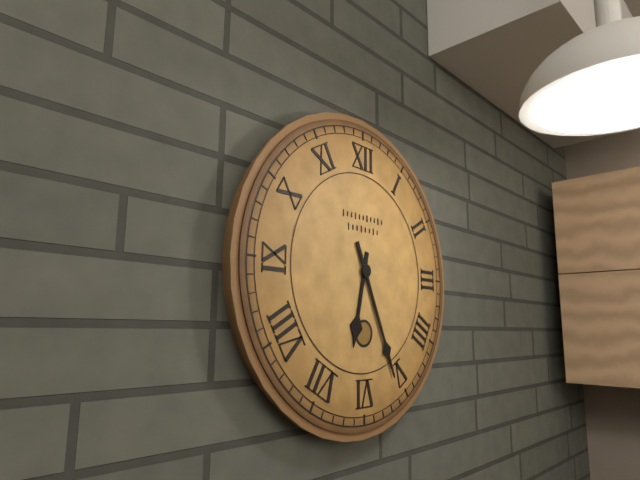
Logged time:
6h26
